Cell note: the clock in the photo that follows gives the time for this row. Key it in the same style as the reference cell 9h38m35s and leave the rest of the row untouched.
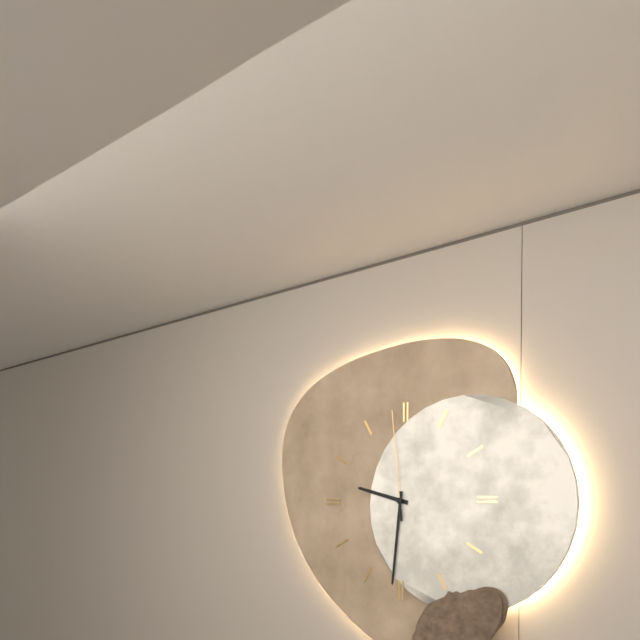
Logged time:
9h31m59s
